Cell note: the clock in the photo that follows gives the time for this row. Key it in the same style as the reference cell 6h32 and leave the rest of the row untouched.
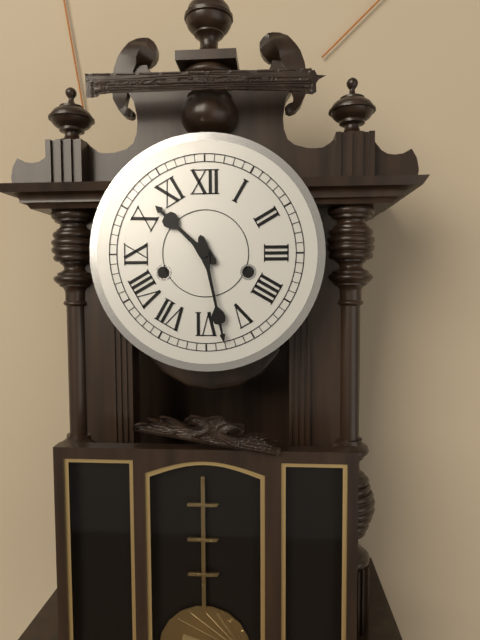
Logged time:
10h28
